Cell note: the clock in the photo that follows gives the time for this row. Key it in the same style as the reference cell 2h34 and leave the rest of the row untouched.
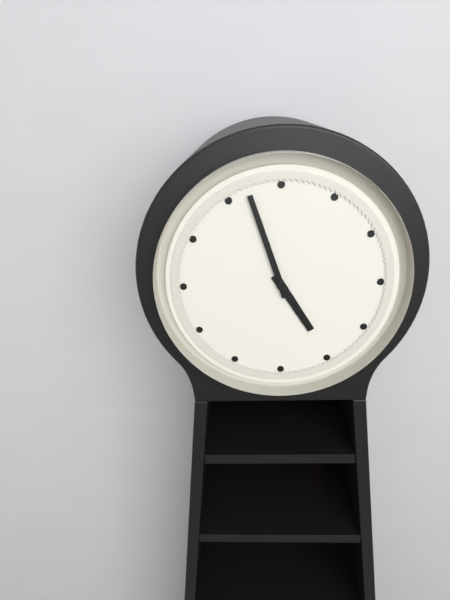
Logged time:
4h57
